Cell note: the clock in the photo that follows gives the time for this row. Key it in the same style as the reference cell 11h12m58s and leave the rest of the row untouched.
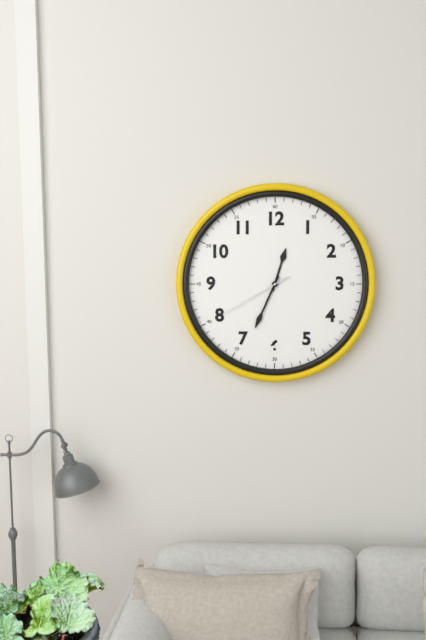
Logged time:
12h34m40s
